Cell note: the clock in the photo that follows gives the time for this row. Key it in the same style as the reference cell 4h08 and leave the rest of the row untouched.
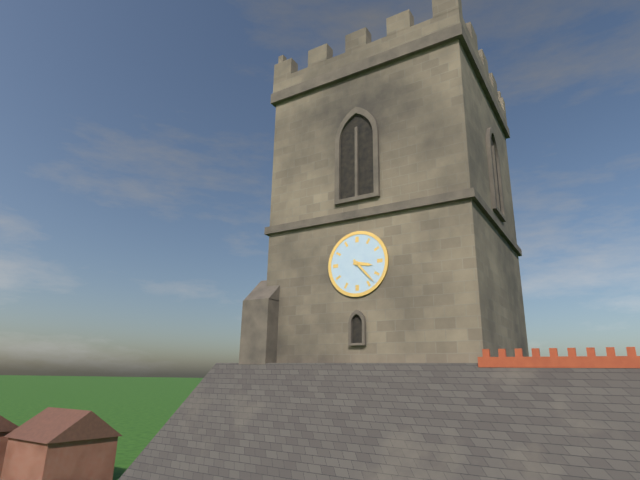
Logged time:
3h23
